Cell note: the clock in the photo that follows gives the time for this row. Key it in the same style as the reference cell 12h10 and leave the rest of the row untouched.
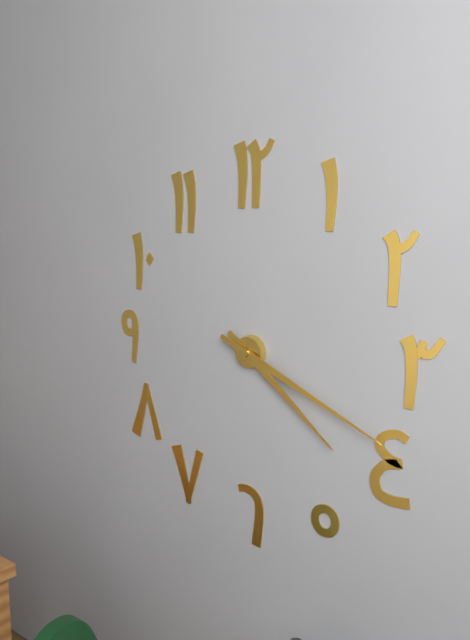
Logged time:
4h19
